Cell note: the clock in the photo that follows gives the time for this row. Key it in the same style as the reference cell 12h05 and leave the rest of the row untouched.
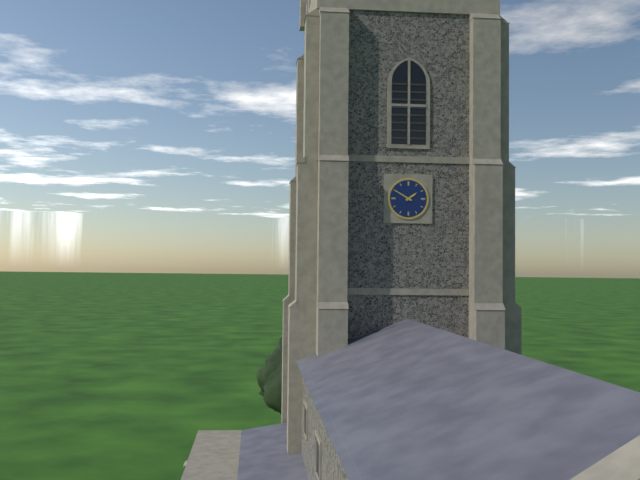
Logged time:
1h50
